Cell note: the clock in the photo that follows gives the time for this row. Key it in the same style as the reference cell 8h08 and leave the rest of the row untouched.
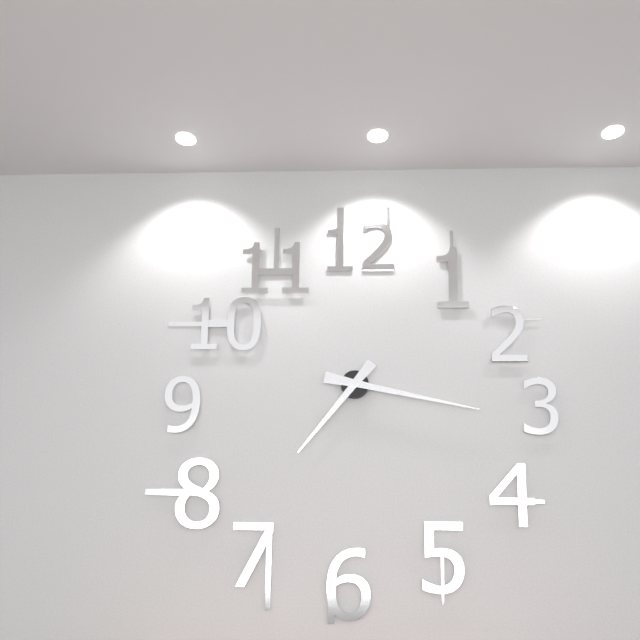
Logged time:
7h17
